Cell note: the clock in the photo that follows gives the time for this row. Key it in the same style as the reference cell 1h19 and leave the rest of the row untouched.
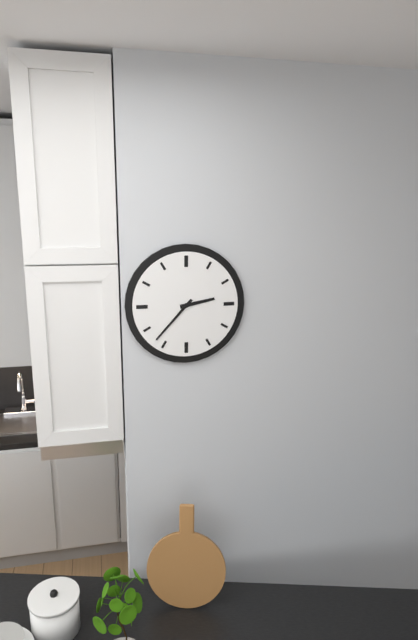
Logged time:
2h37
